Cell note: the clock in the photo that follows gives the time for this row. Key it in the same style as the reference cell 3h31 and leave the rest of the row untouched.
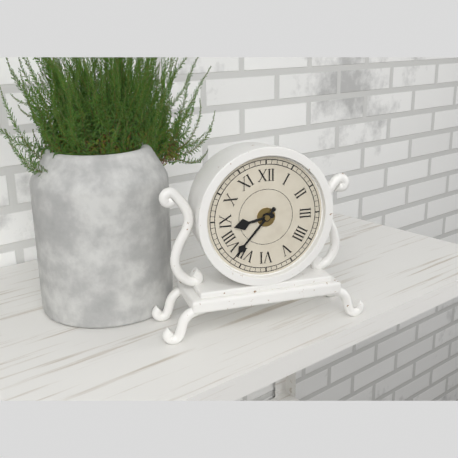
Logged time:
8h37
